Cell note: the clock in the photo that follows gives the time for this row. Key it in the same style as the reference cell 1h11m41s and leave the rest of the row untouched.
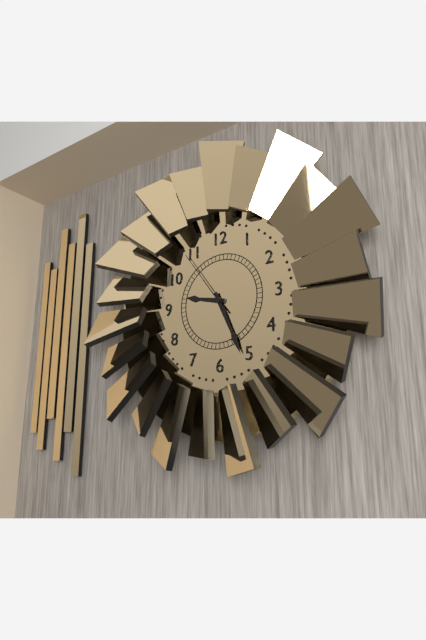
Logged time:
9h26m54s
